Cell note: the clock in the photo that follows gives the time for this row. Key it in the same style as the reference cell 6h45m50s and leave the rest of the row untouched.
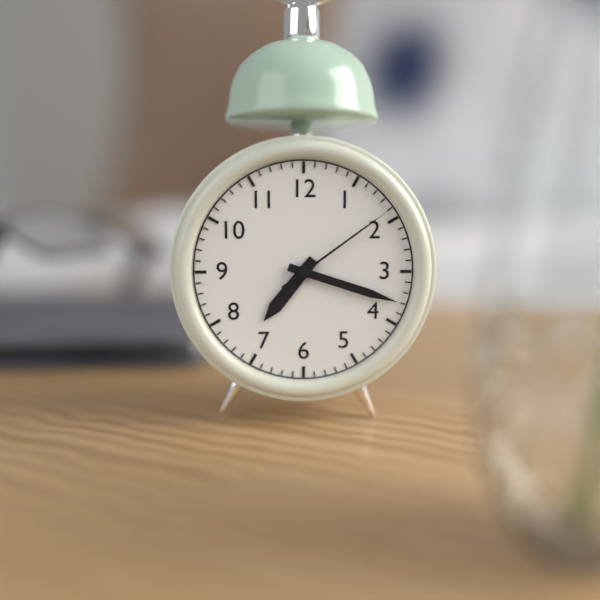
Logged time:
7h18m09s
